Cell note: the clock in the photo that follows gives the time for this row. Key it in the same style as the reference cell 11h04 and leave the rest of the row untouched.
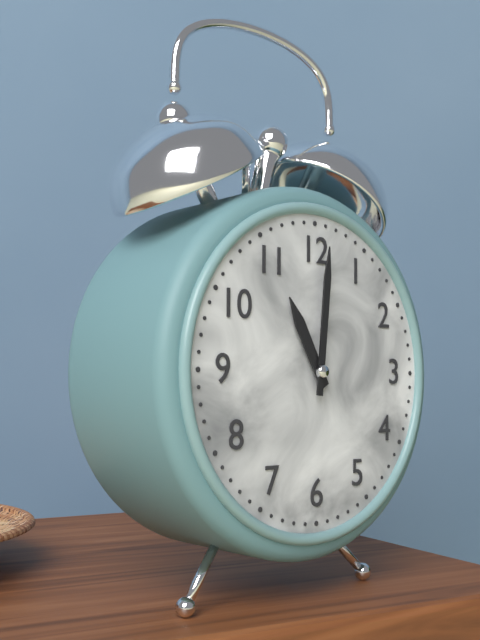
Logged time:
11h01
